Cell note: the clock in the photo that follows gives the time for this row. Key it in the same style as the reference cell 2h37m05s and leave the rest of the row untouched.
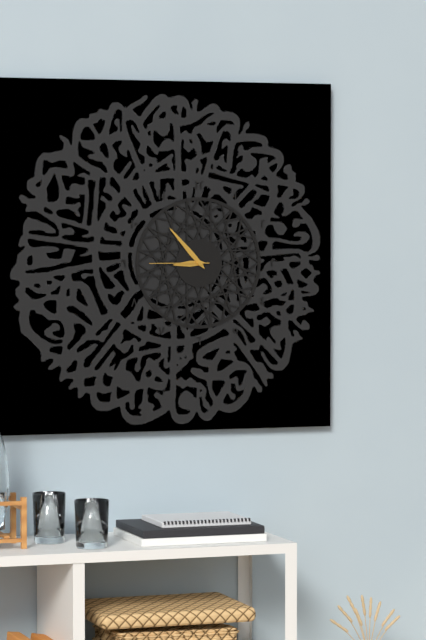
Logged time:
8h53m45s
